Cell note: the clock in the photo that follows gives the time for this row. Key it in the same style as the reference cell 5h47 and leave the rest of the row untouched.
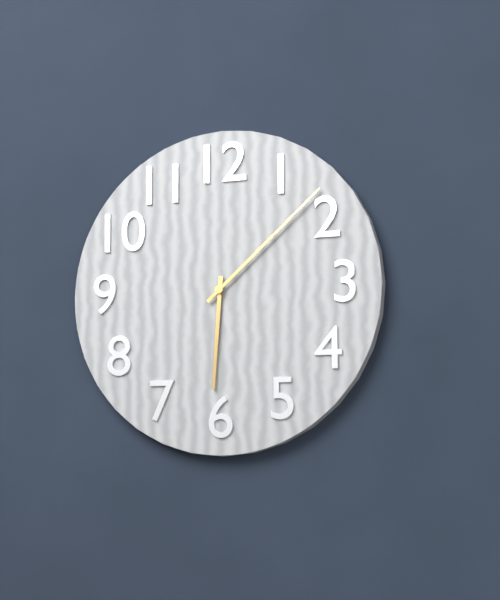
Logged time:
6h08
